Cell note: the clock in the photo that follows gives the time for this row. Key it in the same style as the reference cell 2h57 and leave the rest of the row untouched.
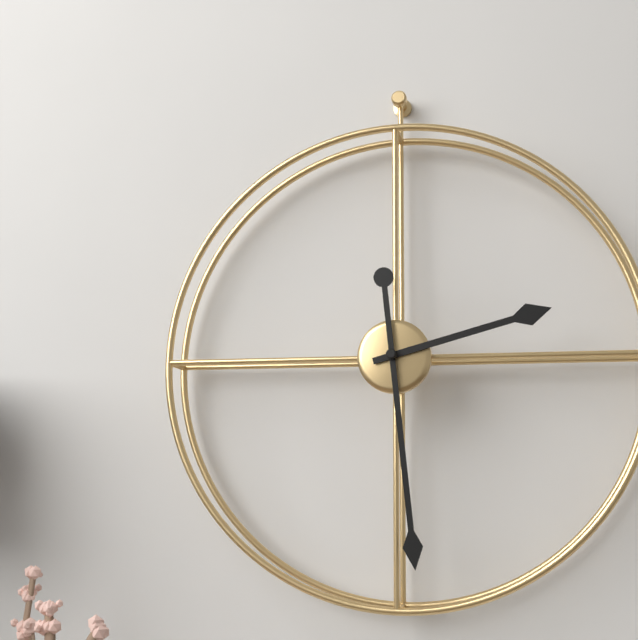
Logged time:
2h29
